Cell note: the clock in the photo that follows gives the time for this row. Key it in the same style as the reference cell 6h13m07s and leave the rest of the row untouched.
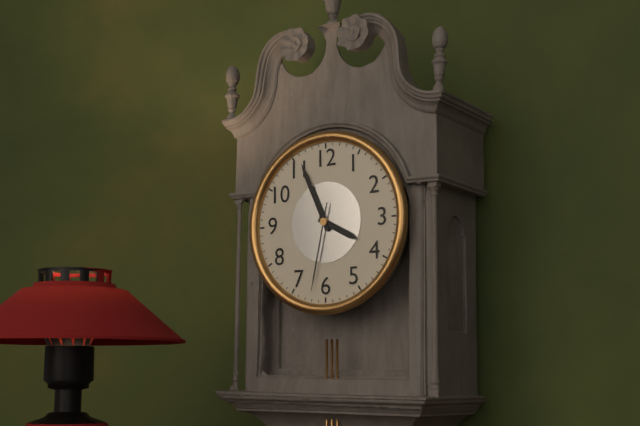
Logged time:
3h56m32s
